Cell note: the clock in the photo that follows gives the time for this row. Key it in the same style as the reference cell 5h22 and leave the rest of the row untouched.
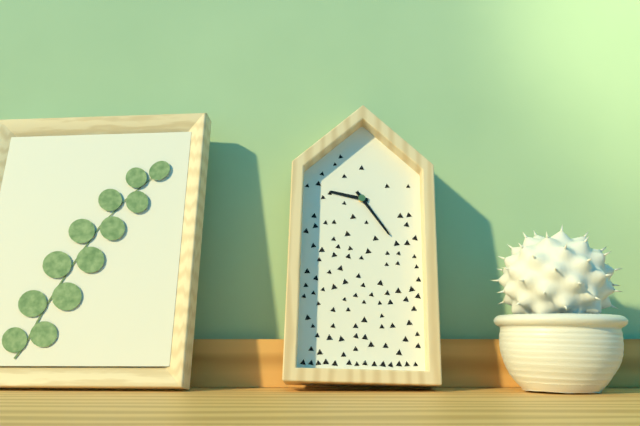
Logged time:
9h24
